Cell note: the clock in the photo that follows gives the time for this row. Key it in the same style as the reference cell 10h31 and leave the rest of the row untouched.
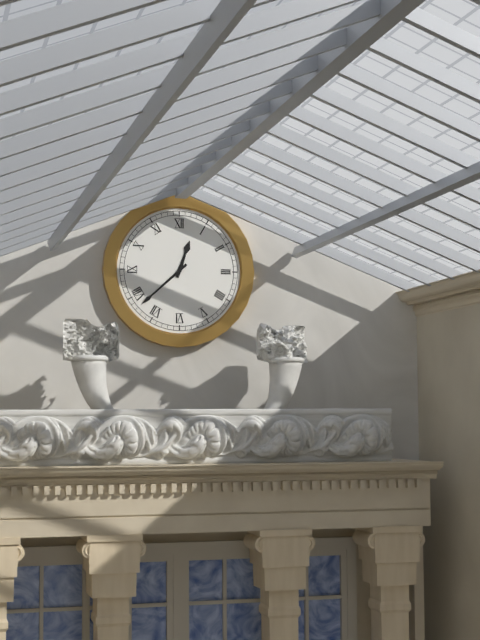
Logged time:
12h38
